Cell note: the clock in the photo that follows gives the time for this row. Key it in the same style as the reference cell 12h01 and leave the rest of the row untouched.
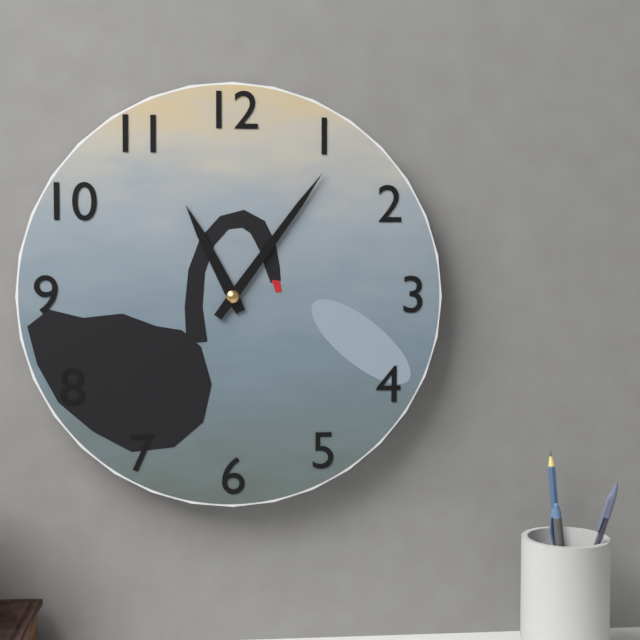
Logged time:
11h06
